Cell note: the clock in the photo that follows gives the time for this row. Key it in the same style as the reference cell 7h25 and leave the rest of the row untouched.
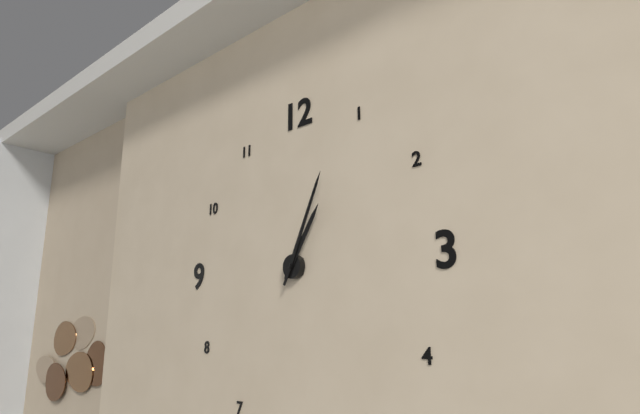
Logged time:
1h04
